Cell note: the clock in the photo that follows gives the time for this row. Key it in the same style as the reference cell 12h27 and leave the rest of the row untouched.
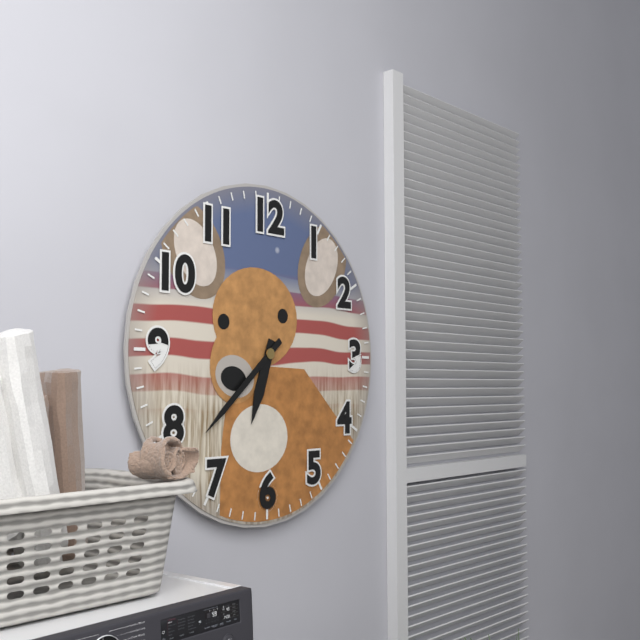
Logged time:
6h38
